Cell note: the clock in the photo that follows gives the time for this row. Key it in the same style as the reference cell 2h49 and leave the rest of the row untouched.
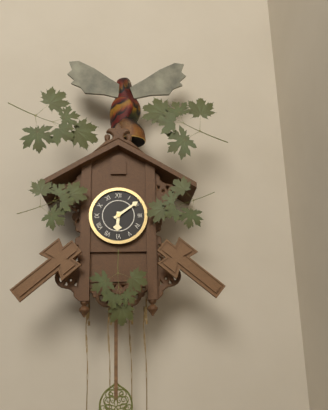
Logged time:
6h09
